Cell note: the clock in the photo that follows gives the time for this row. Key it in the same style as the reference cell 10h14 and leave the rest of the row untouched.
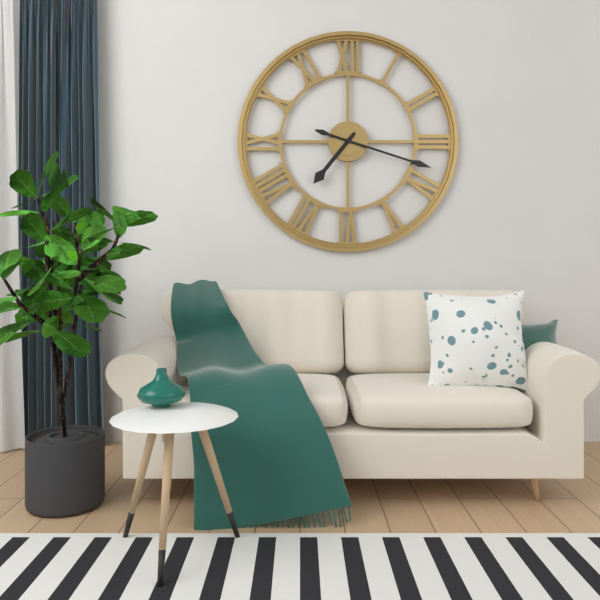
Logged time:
7h18
